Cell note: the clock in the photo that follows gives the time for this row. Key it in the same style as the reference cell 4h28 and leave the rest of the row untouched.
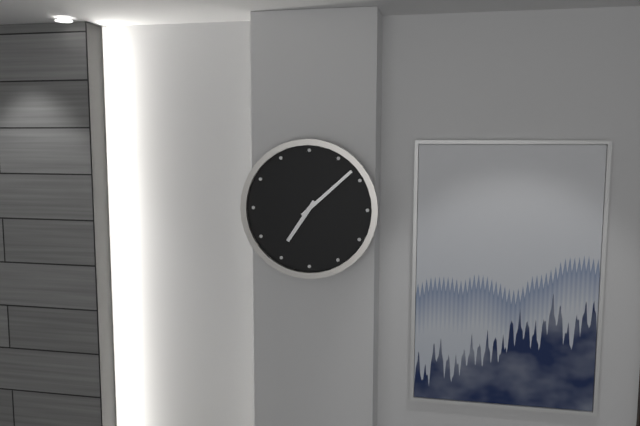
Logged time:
7h08
